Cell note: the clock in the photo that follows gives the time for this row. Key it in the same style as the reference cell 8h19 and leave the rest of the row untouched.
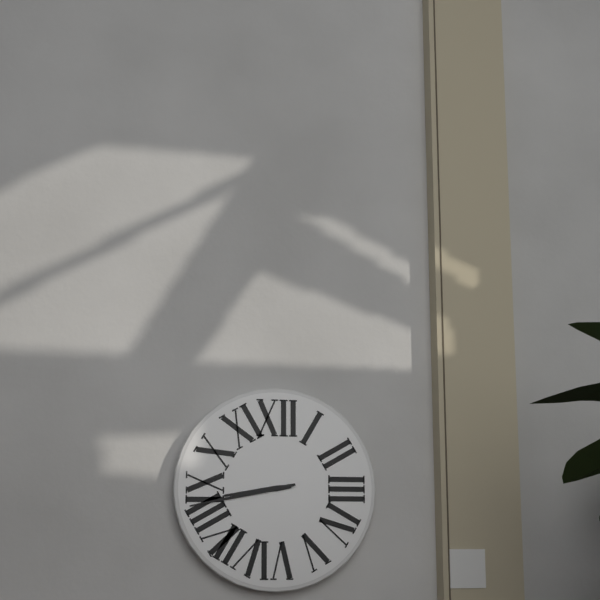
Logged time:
8h43
